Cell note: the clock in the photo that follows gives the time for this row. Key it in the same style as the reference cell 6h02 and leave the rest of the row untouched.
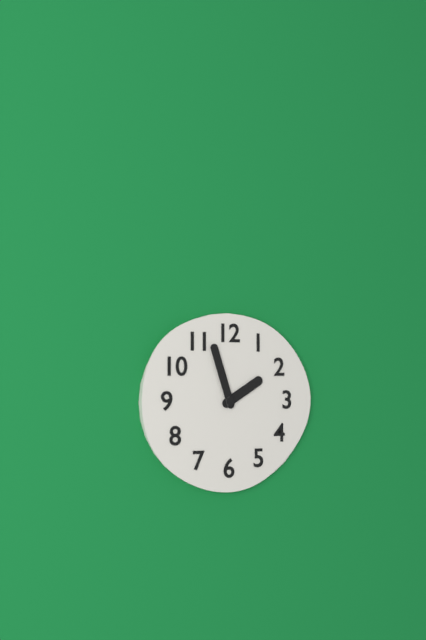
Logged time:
1h57
